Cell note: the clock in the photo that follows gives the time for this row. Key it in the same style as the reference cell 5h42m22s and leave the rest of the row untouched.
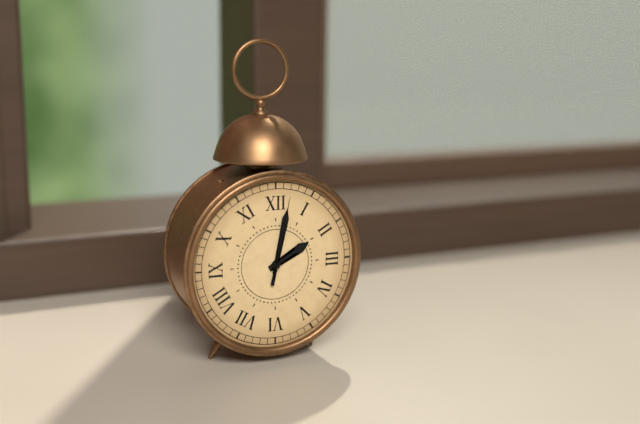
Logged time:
2h02m02s
